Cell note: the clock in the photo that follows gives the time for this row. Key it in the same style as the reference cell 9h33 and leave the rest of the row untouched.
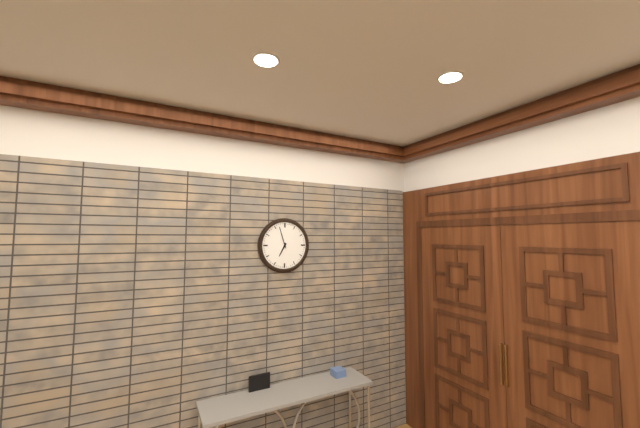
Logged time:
6h57
